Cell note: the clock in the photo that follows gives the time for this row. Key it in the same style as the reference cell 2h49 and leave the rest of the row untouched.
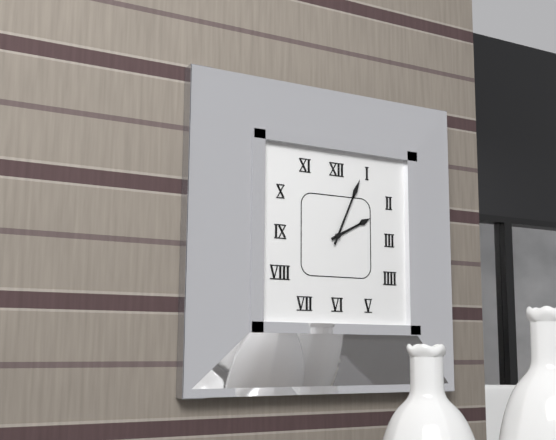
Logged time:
2h04
